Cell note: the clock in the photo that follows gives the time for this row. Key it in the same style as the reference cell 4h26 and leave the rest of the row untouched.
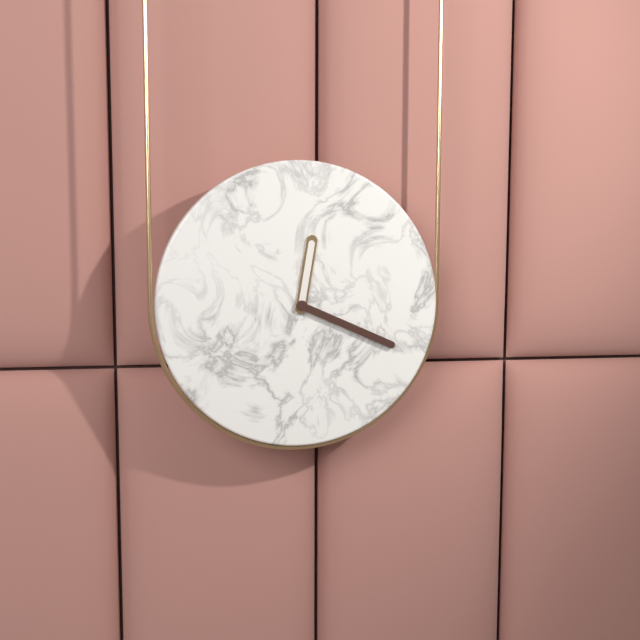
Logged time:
12h19
